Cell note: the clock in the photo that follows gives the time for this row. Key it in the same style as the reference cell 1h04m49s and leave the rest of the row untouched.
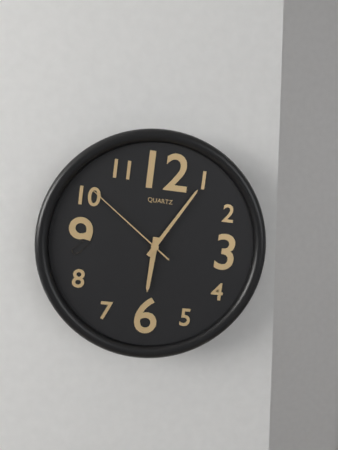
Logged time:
6h05m51s
